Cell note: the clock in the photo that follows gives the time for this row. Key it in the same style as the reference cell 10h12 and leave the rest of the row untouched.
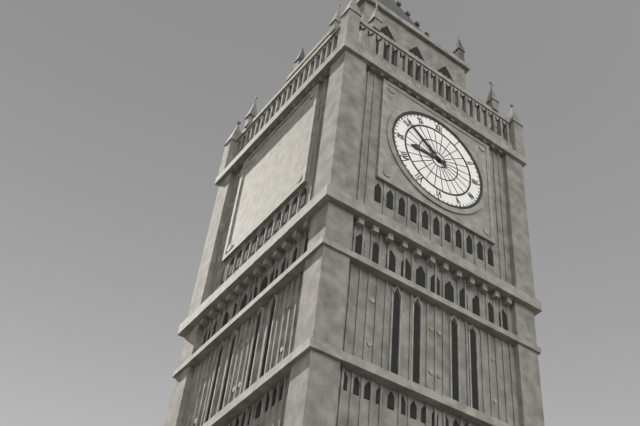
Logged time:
8h51
